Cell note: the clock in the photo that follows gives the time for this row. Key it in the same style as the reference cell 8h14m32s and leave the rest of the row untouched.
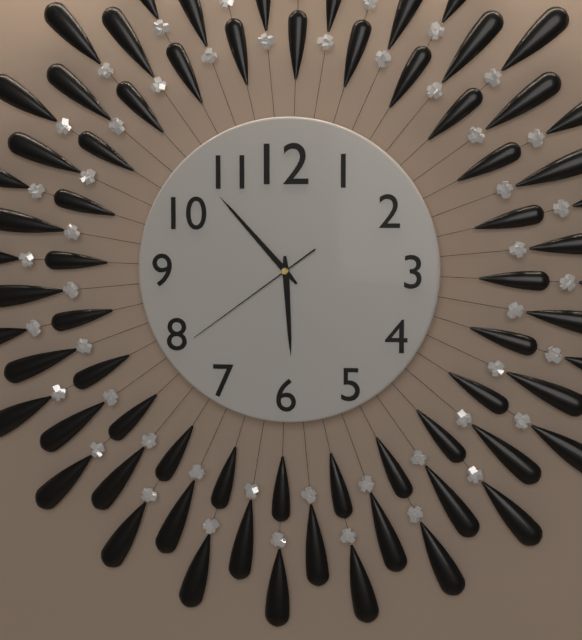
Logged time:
5h53m39s
